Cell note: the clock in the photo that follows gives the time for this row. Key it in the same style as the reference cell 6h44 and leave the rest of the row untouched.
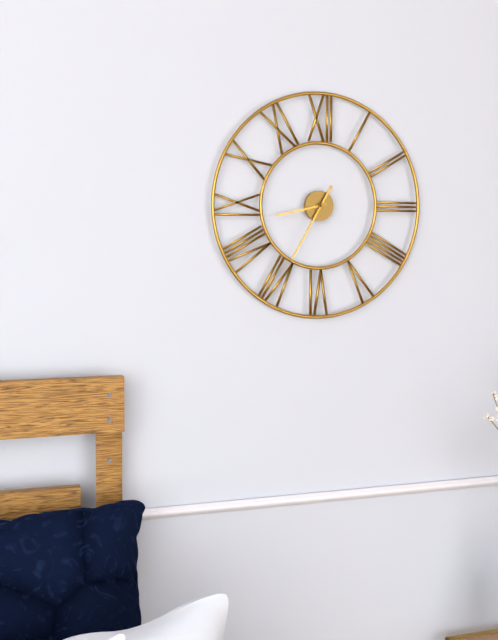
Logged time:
8h35
